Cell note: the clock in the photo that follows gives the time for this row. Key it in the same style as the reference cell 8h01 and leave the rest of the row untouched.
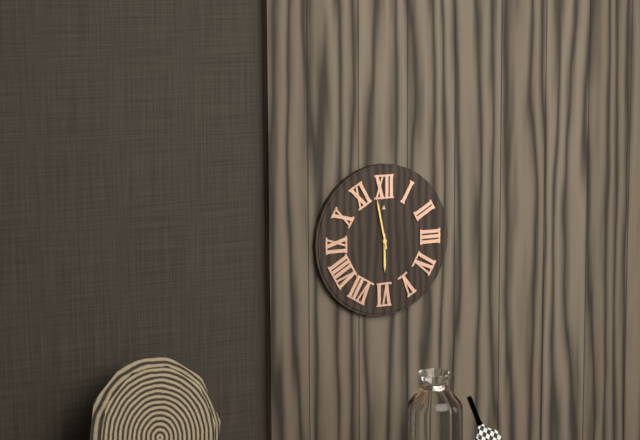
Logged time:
5h58
